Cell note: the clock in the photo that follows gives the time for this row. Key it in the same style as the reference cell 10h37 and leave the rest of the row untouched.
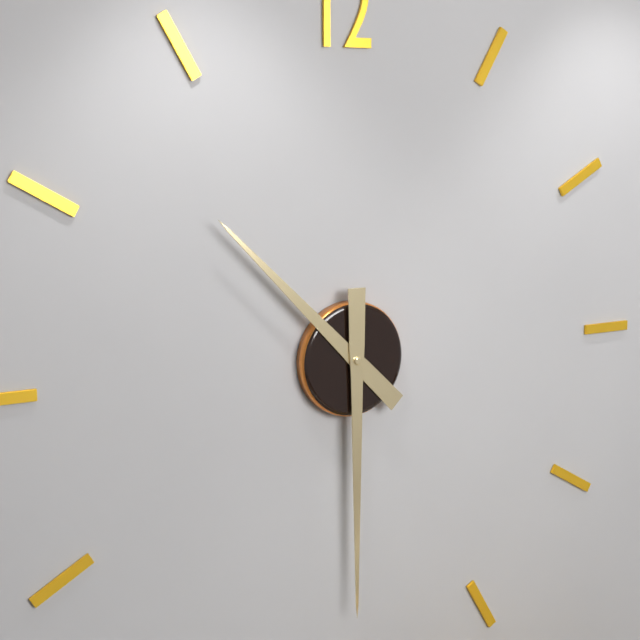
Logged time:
10h30
